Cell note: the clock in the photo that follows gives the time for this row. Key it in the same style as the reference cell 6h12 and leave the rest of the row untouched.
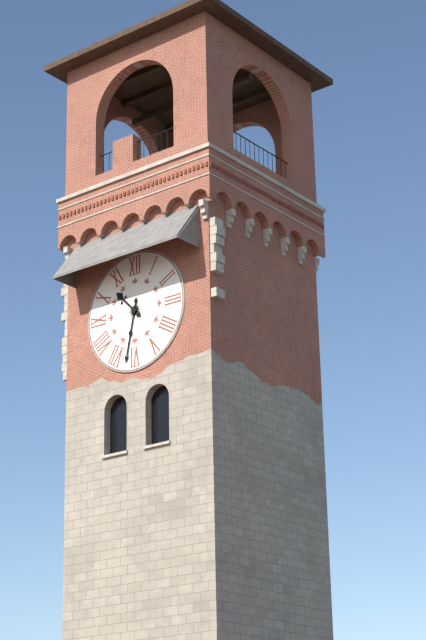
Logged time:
10h32
